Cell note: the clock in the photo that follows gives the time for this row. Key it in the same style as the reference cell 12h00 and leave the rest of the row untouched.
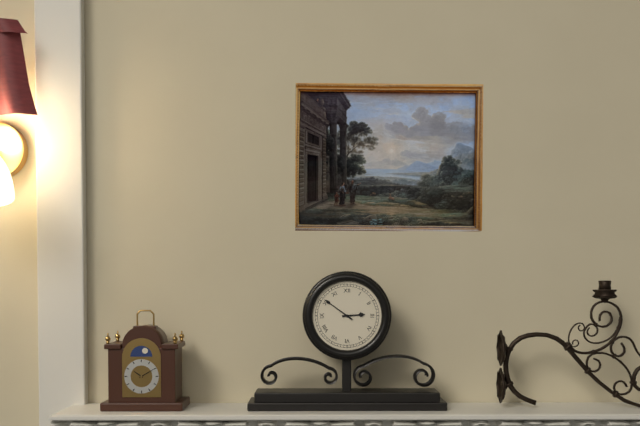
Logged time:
2h51
